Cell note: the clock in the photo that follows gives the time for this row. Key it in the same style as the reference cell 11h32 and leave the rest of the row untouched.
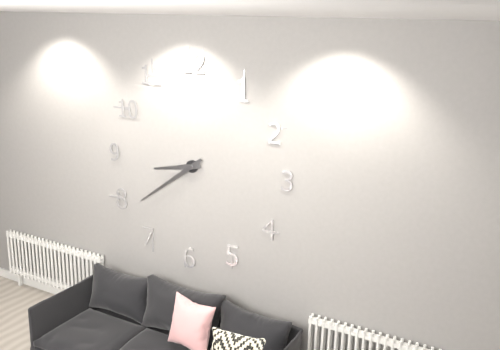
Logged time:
8h39
